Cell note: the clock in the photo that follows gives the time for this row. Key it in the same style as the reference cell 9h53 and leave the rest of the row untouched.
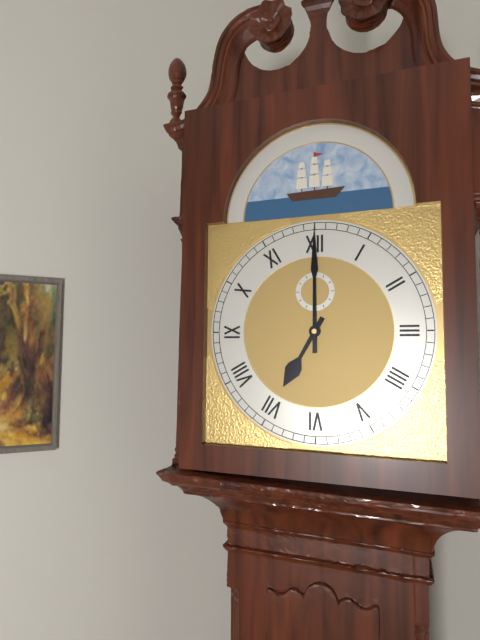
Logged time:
7h00
